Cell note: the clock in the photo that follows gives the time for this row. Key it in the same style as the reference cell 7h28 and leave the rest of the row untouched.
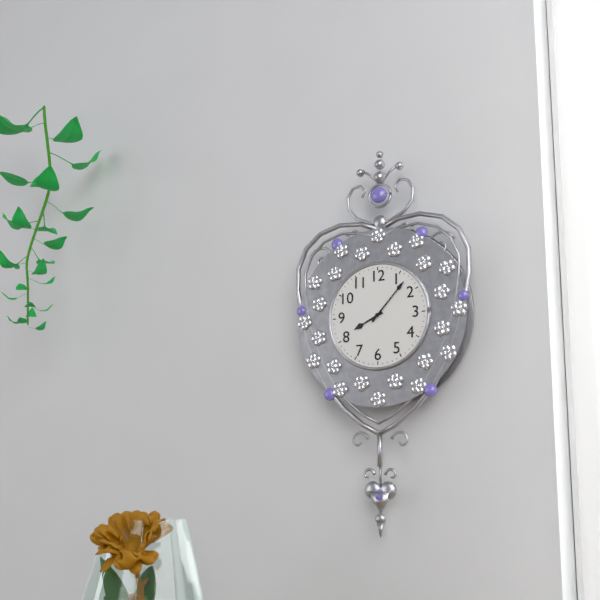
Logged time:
8h07
